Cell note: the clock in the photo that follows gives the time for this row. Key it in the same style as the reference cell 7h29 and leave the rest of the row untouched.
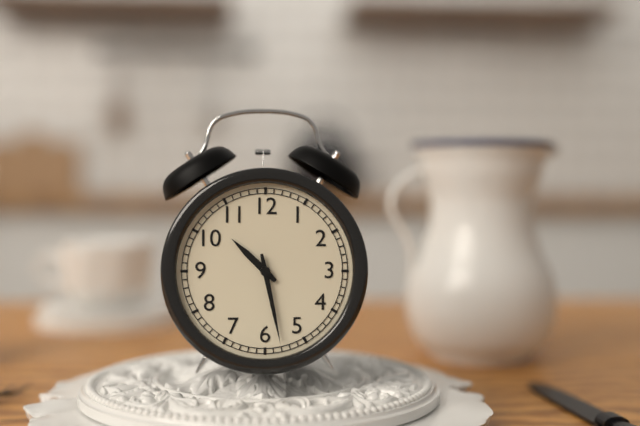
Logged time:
10h28
